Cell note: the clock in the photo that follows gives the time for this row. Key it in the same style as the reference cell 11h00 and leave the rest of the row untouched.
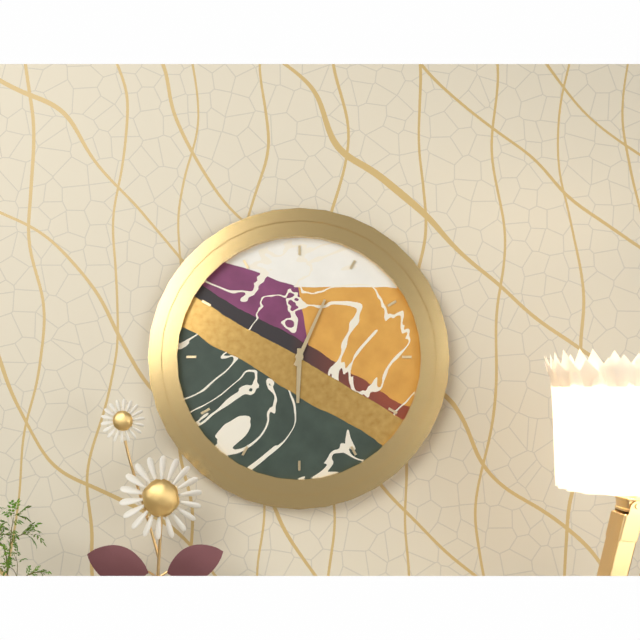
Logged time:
6h04
